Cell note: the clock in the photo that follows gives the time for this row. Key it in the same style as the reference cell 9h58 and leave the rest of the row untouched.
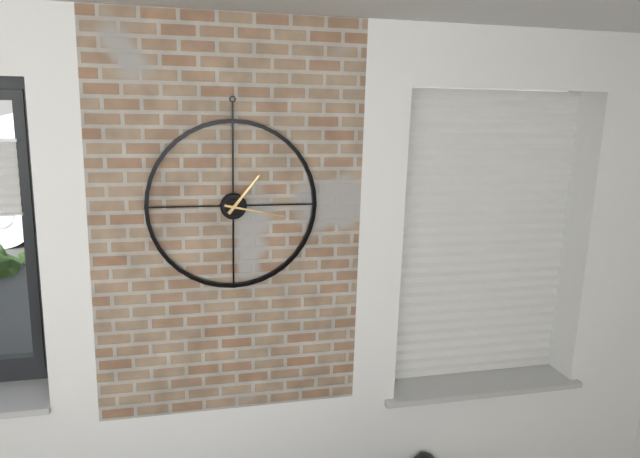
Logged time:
1h17
